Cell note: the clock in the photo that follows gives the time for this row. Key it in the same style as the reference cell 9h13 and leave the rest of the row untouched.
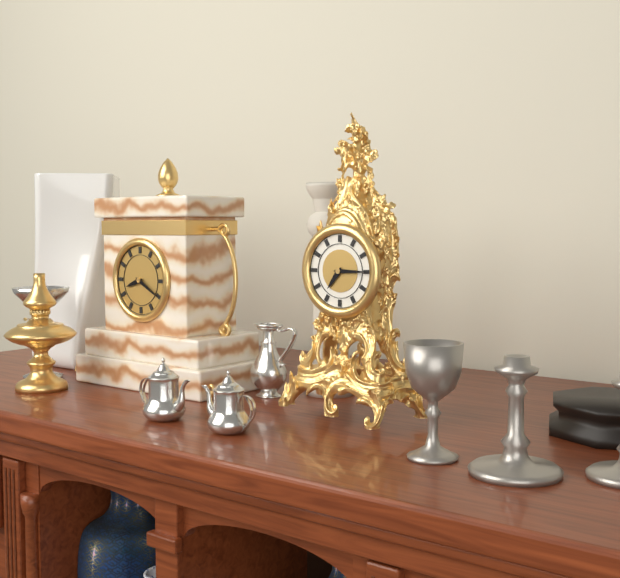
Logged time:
7h15
